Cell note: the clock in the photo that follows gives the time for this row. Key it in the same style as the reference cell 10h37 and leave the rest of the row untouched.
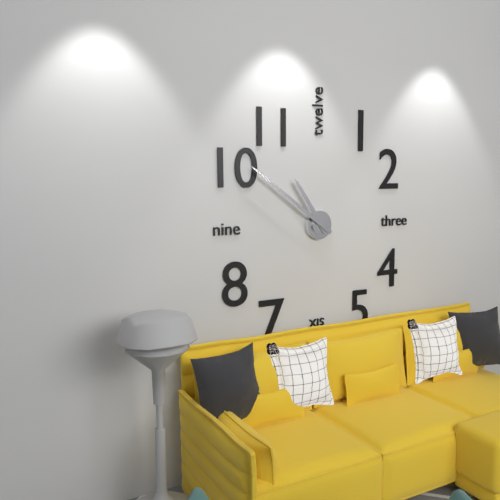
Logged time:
10h51
